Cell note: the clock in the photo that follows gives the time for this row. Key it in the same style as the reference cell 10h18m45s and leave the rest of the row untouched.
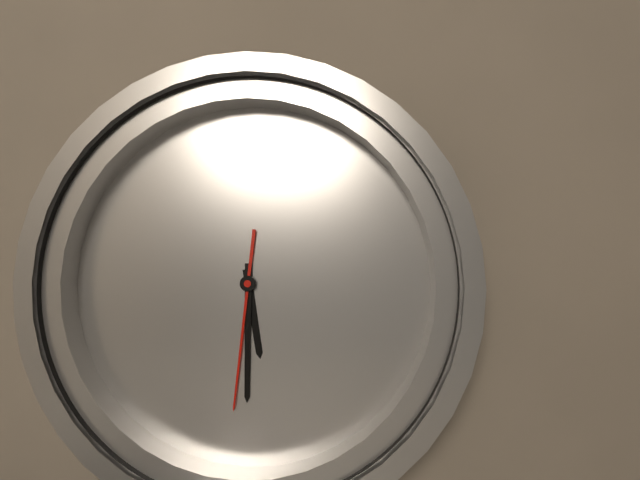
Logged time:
5h29m30s
